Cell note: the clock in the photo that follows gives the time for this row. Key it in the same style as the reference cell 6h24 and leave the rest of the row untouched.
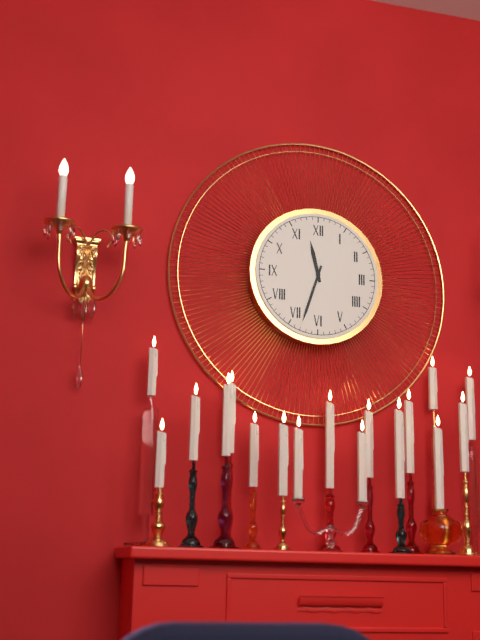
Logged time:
11h33
